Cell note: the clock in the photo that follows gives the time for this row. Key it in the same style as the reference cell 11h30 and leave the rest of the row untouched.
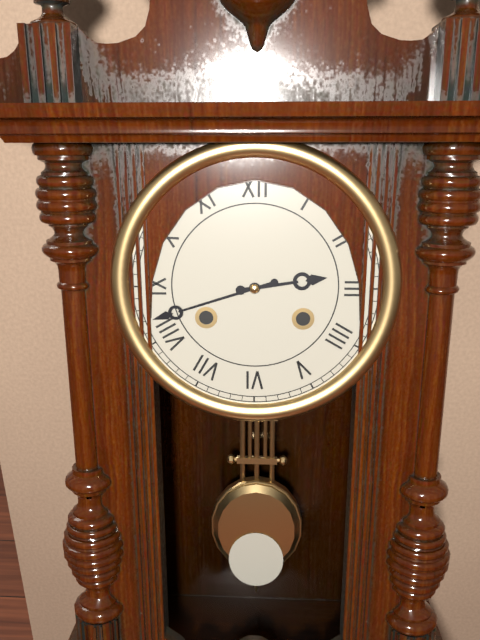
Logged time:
2h42
